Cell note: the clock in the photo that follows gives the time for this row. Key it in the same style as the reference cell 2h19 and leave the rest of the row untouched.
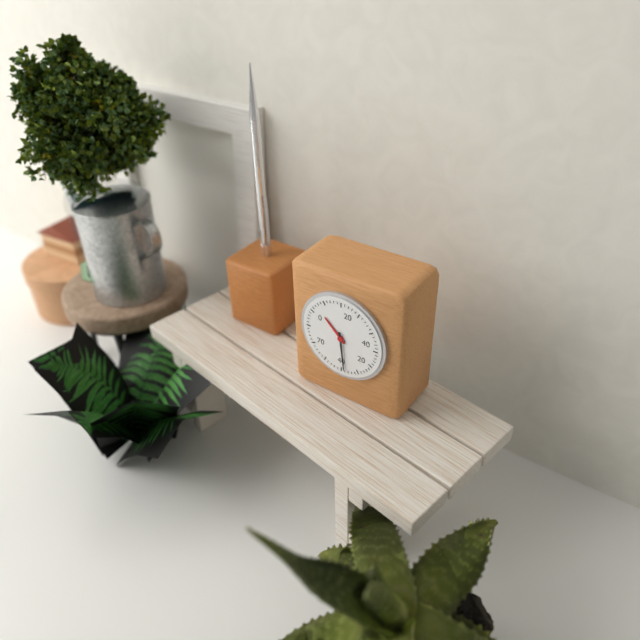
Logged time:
10h29
